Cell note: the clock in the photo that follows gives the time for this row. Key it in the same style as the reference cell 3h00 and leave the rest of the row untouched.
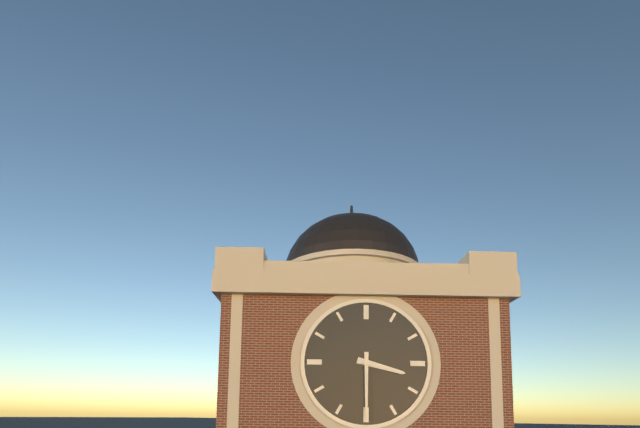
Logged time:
3h30
